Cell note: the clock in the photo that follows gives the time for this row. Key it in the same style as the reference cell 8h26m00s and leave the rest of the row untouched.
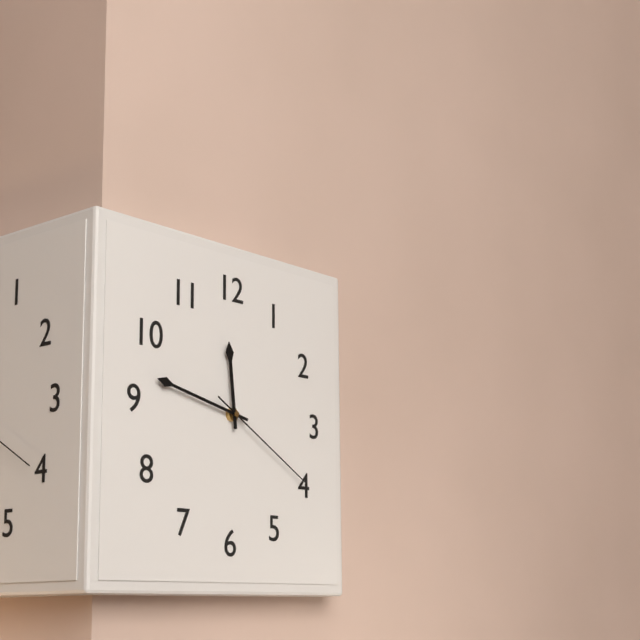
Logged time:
11h47m20s
